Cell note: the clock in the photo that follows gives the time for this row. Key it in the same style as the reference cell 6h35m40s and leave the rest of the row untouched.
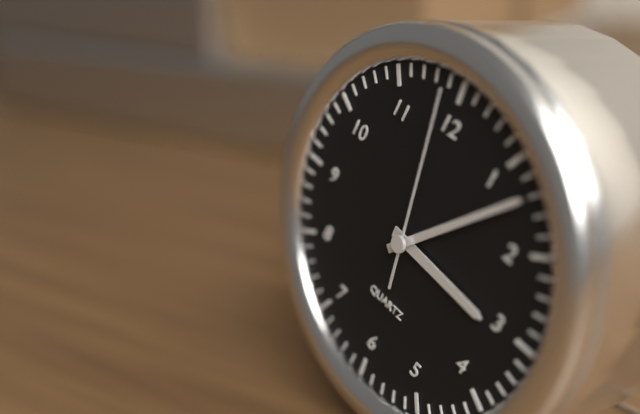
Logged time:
3h07m59s
